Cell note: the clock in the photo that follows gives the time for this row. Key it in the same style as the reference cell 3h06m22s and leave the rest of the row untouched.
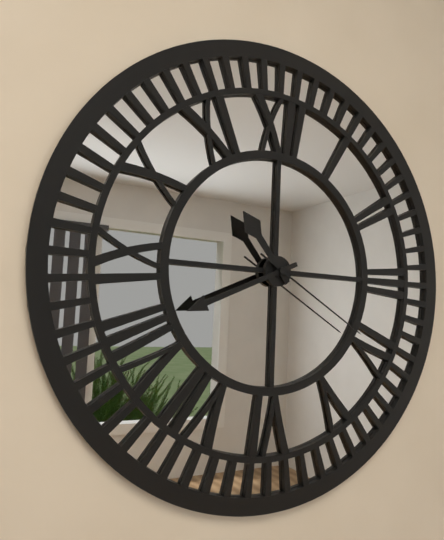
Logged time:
10h41m20s
